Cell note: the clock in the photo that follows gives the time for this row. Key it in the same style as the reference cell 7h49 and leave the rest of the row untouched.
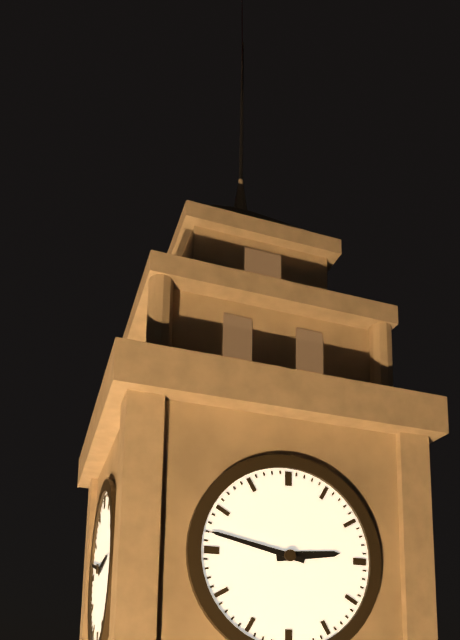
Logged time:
2h47
